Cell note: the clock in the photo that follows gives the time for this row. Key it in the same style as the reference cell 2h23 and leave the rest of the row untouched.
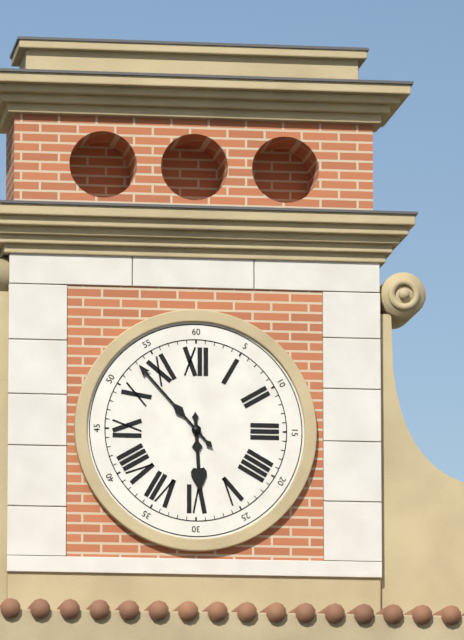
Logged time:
5h53
